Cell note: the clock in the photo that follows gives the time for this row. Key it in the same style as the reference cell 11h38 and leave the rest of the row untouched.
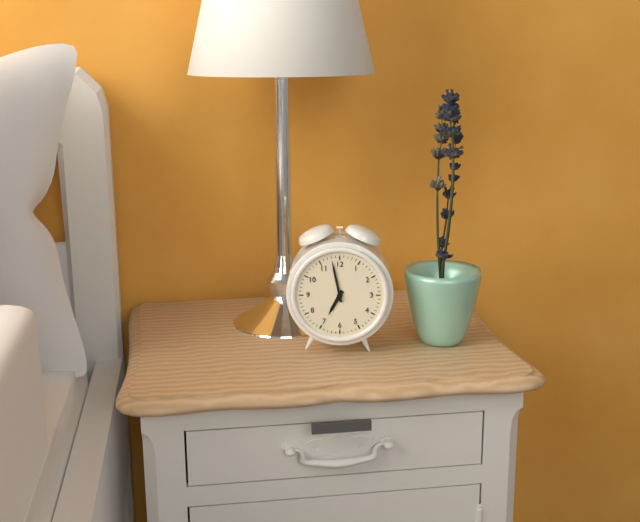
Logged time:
6h58
